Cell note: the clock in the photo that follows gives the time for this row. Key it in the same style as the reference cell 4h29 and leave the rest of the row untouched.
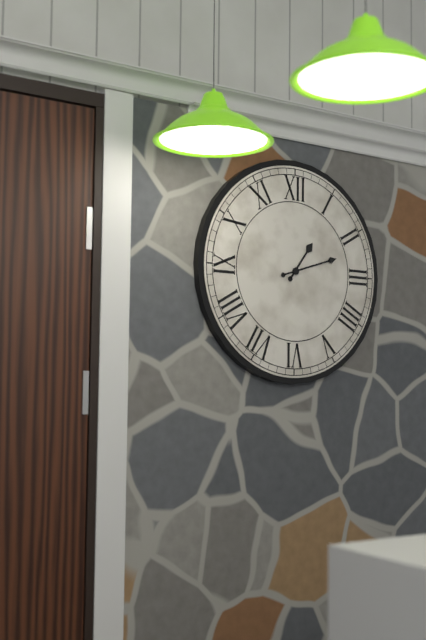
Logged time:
1h12
